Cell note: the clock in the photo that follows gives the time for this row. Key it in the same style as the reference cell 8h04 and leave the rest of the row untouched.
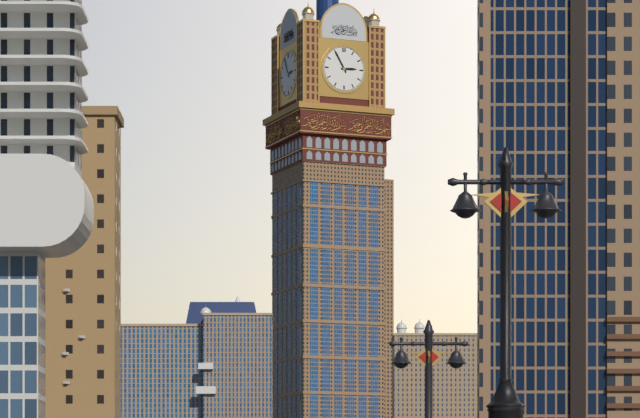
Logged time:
2h55
